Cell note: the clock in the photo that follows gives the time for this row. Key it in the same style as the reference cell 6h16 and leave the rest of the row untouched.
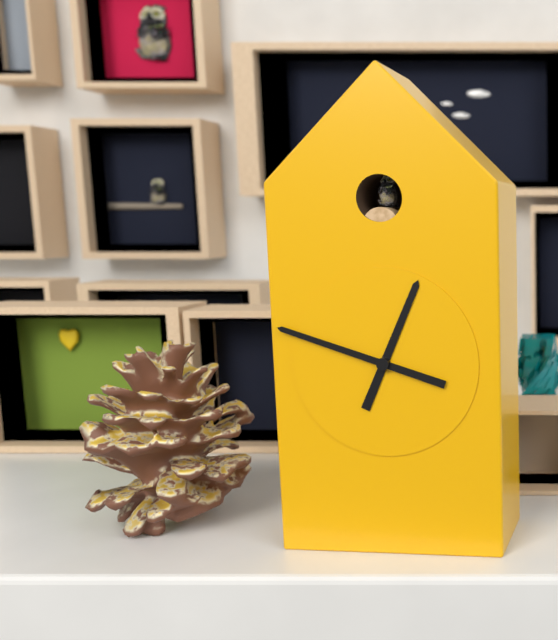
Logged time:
12h48
